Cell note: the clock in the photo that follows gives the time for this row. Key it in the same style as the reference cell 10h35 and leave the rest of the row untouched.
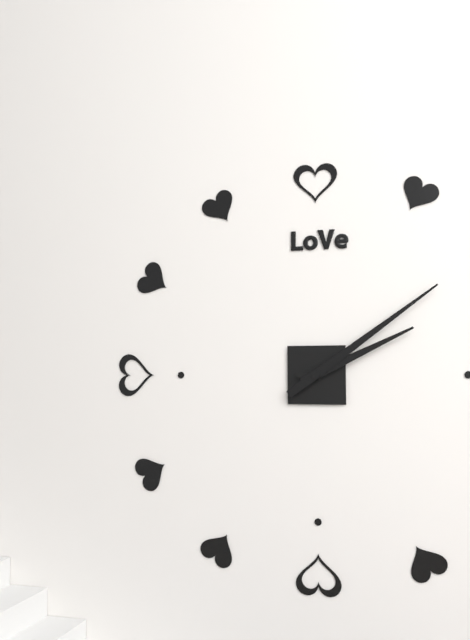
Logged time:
2h09
